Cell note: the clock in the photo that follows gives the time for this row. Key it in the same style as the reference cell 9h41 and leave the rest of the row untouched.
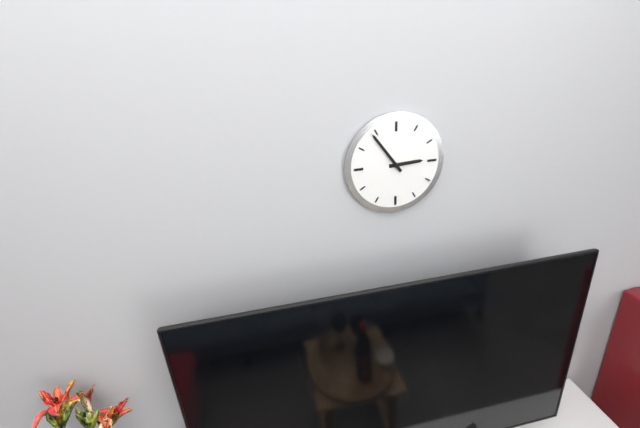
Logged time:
2h54
